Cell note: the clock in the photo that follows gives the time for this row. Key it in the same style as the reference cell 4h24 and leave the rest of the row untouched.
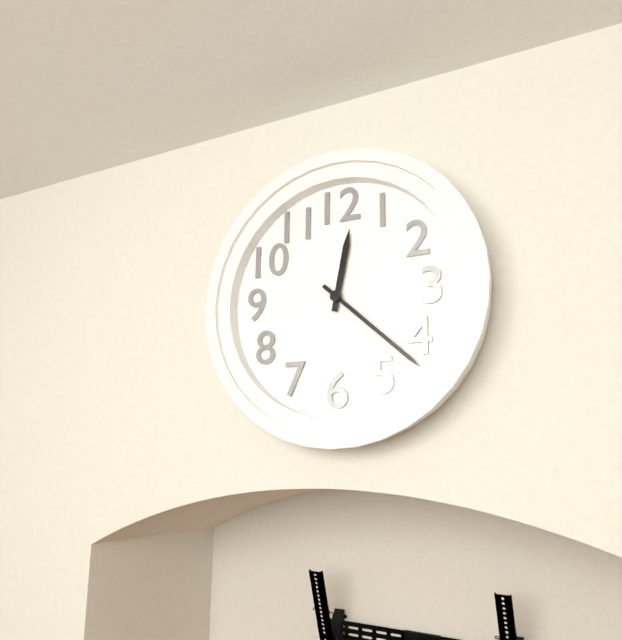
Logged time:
12h22
